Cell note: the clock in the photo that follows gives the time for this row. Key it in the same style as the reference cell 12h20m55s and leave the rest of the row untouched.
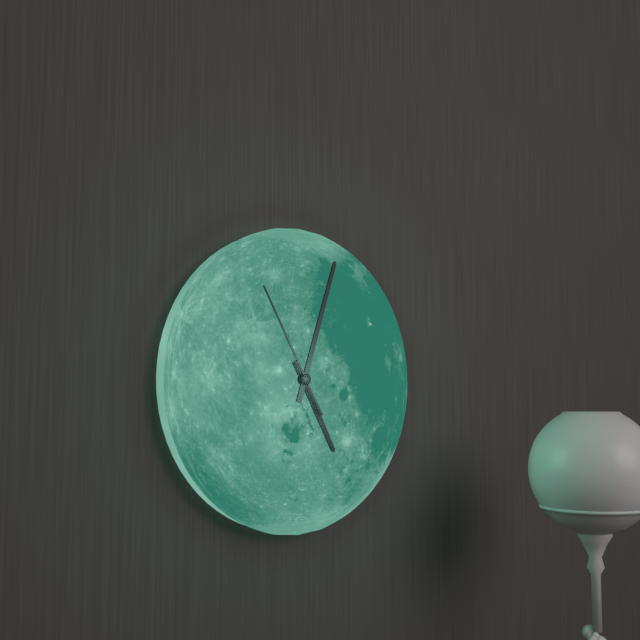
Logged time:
5h03m55s
